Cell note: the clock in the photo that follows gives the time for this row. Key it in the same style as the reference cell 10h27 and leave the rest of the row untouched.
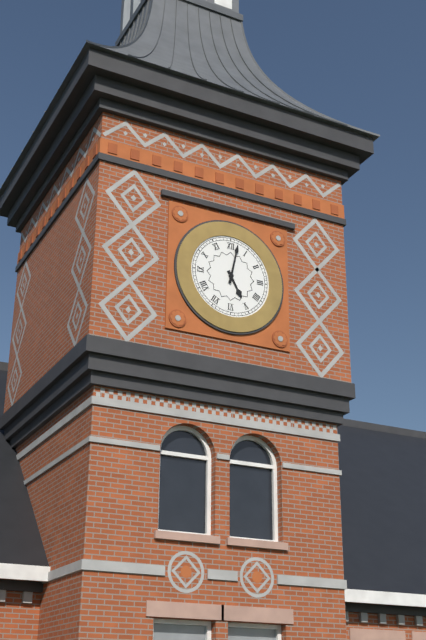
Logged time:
5h02
